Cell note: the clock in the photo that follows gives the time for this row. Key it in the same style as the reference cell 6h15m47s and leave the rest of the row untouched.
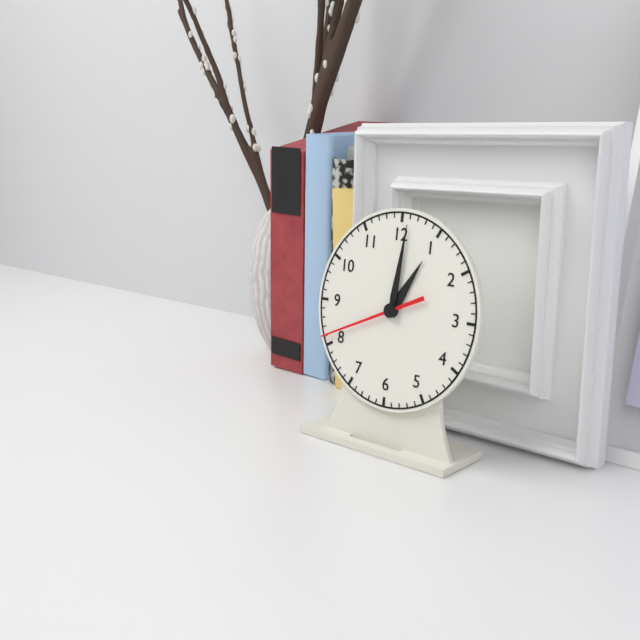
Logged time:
1h01m41s
